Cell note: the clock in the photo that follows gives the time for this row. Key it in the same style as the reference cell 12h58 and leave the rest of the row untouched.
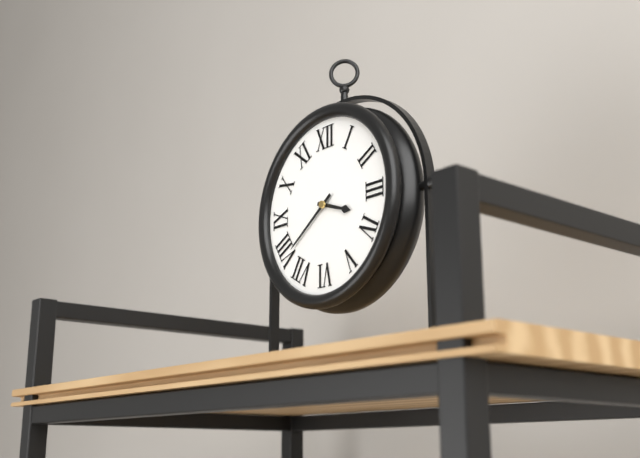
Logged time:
3h39
